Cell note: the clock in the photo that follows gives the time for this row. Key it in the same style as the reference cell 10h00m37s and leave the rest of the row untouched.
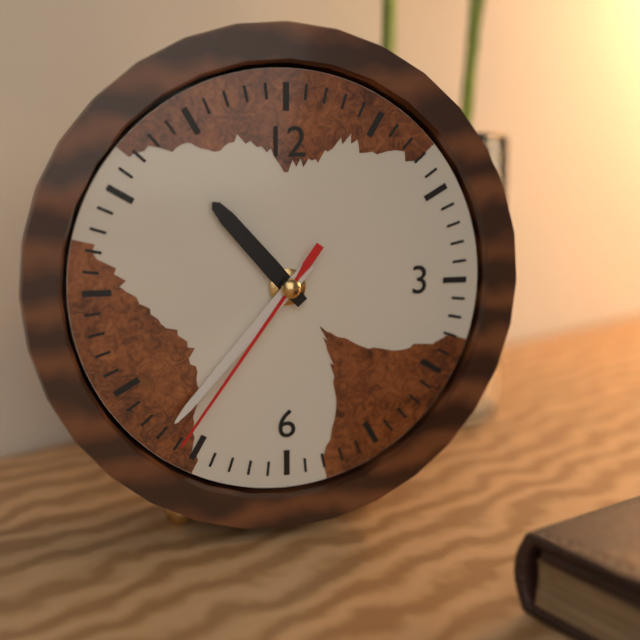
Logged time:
10h37m36s
